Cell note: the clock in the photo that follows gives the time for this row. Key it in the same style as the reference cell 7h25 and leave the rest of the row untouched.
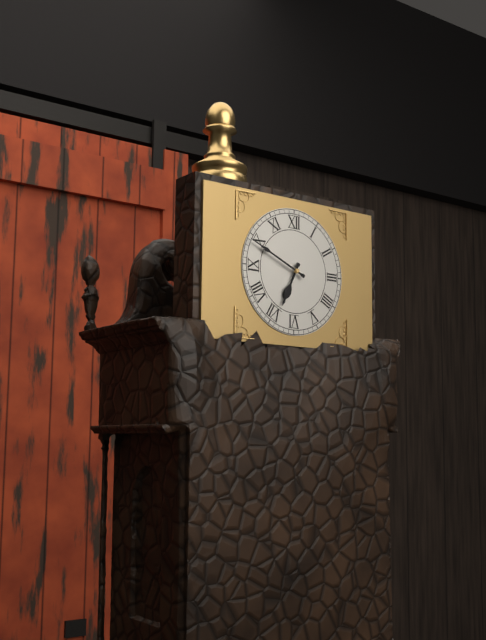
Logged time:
6h49
